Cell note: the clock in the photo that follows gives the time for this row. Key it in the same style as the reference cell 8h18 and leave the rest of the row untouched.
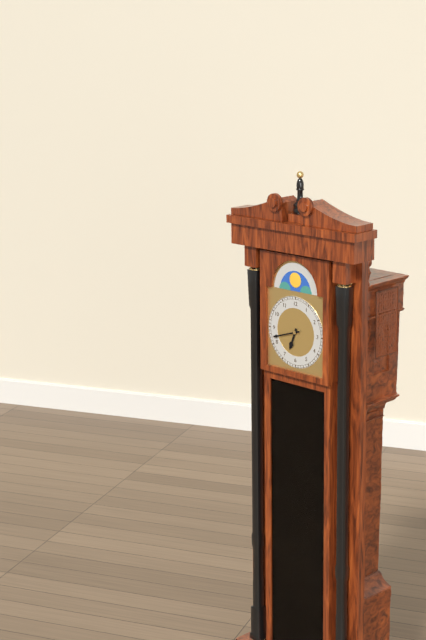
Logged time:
6h42
